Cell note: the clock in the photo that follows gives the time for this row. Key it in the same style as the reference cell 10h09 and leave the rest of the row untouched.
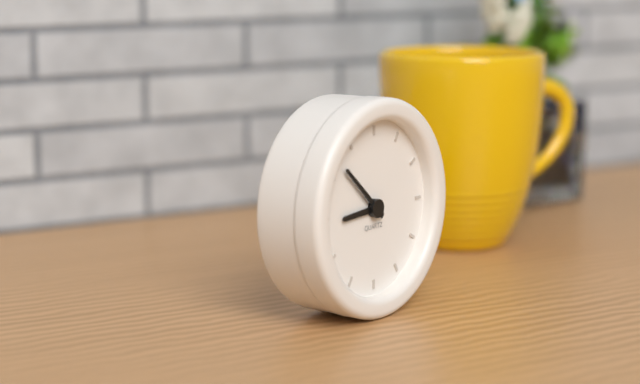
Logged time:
8h52
